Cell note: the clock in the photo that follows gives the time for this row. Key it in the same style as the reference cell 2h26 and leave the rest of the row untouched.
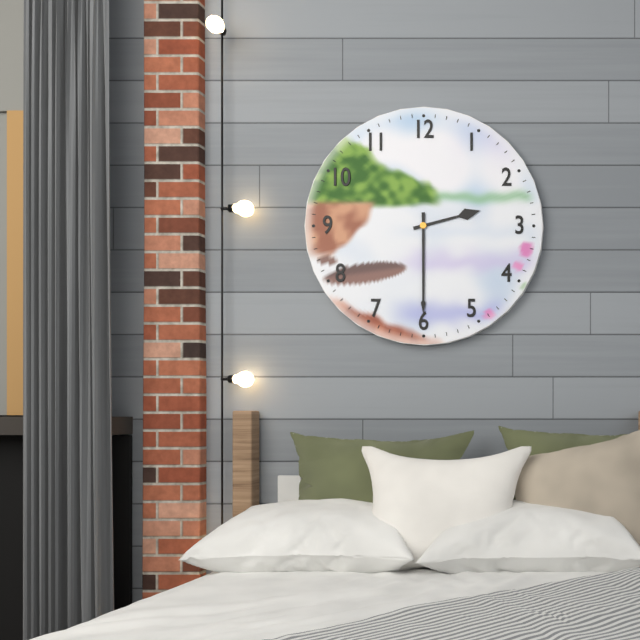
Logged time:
2h30
